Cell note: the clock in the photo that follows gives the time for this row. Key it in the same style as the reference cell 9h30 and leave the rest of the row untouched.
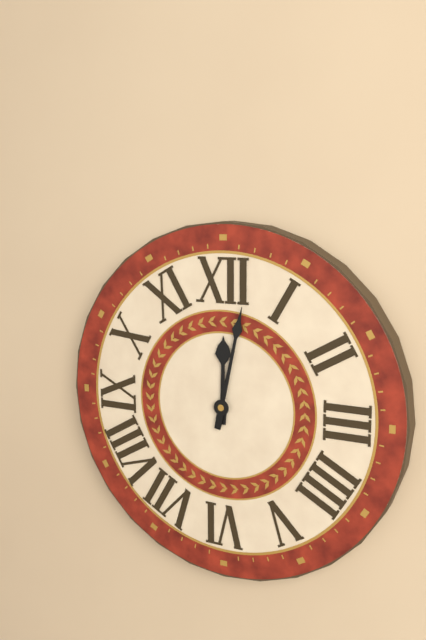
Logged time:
12h02
